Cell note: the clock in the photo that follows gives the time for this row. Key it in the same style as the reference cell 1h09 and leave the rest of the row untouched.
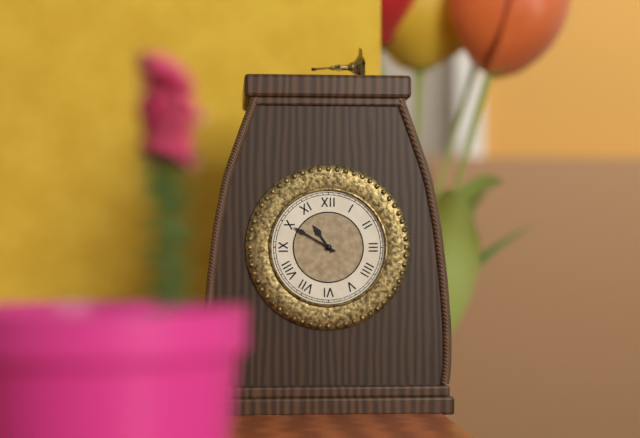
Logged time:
10h50
